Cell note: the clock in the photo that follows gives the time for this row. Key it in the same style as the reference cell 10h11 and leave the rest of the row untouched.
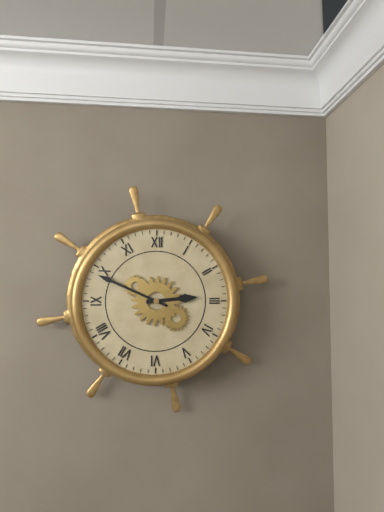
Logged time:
2h49
